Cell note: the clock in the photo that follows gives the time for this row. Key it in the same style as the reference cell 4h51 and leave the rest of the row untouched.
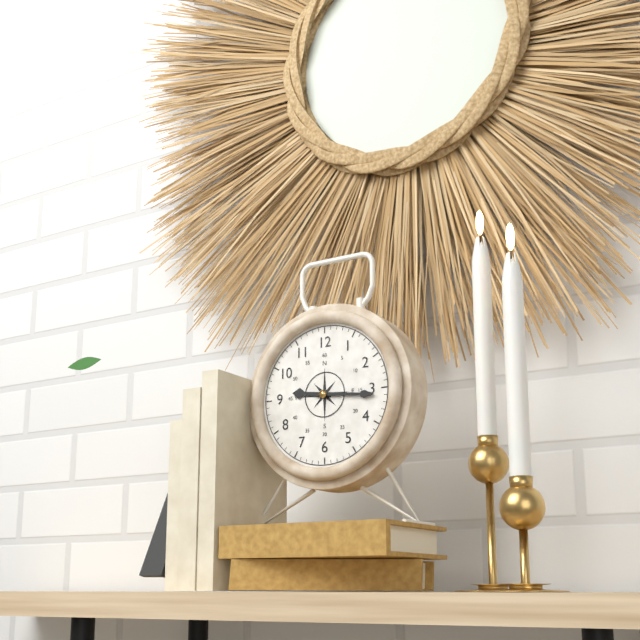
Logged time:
9h16
